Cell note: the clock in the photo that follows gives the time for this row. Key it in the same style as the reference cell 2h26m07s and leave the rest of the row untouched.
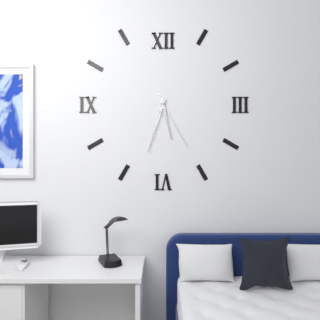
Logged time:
5h33m25s
